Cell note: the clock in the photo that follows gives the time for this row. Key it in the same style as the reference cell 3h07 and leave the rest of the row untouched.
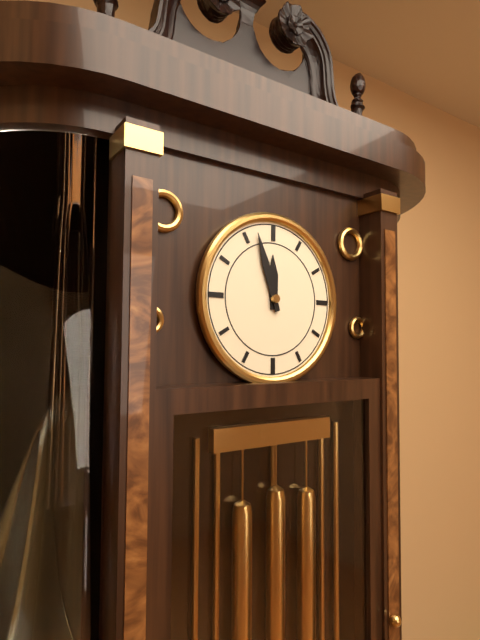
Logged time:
11h57
